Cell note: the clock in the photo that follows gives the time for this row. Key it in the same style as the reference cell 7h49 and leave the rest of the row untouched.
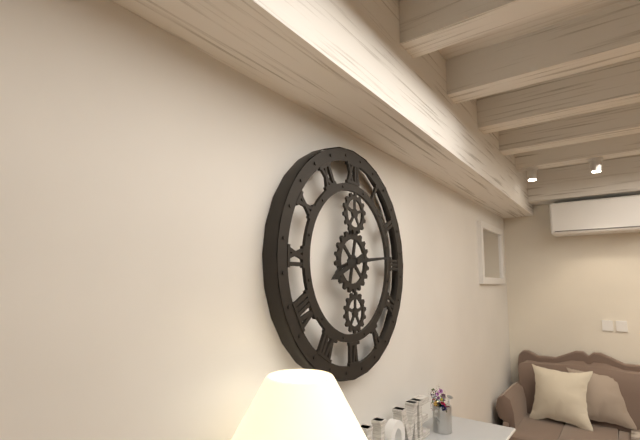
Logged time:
8h14
